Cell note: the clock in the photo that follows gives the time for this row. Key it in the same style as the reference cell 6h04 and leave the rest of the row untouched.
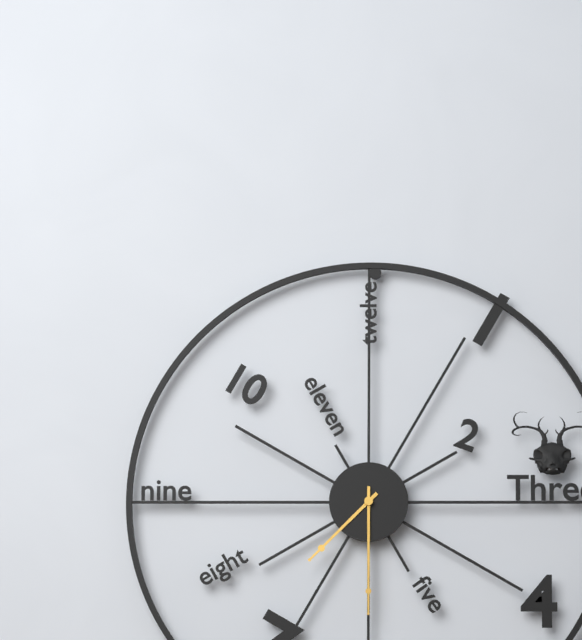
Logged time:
7h30
